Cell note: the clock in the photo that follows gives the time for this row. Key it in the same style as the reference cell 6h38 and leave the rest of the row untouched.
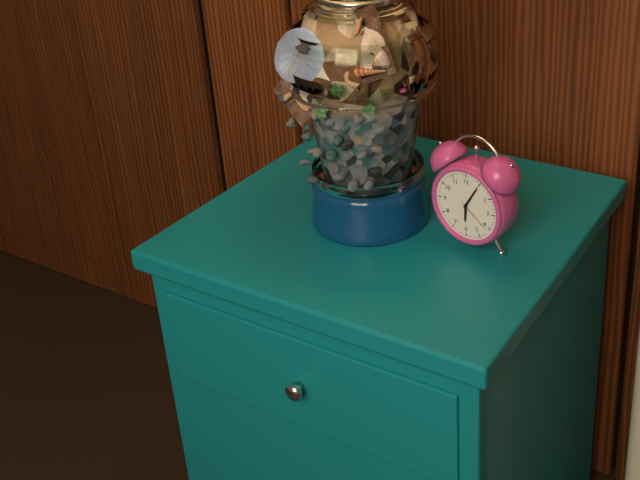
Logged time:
6h05
